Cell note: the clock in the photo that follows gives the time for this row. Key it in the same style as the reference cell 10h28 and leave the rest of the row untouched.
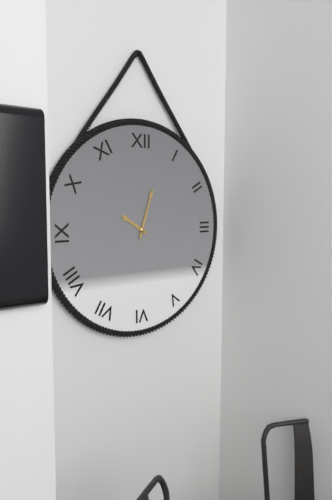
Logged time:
10h03
